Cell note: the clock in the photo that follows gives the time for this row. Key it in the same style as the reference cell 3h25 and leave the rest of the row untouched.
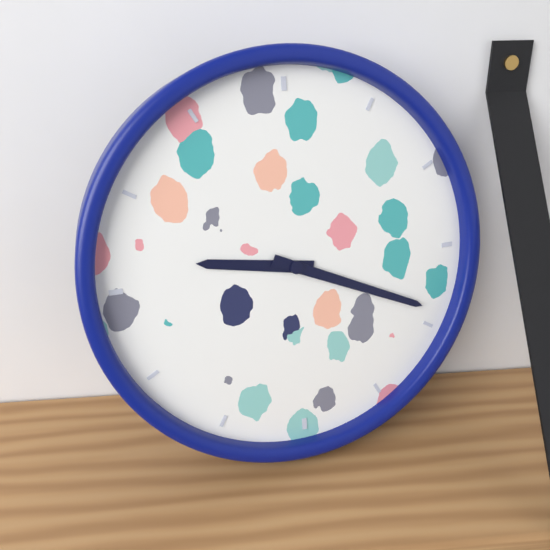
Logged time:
9h19
